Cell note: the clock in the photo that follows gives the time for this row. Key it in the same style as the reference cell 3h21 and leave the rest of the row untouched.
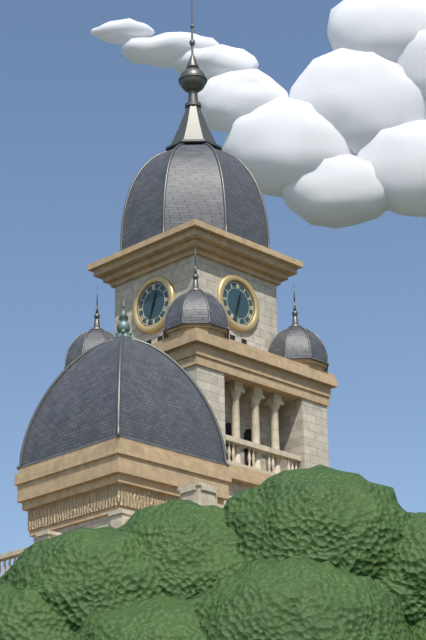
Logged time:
12h33
